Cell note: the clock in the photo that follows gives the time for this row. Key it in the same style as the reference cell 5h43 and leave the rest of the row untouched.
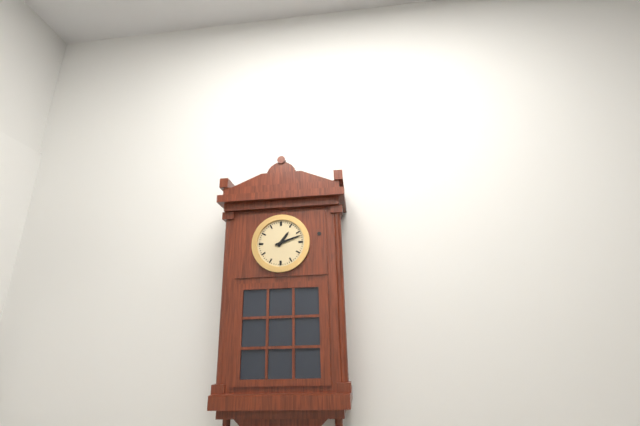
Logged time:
1h12
